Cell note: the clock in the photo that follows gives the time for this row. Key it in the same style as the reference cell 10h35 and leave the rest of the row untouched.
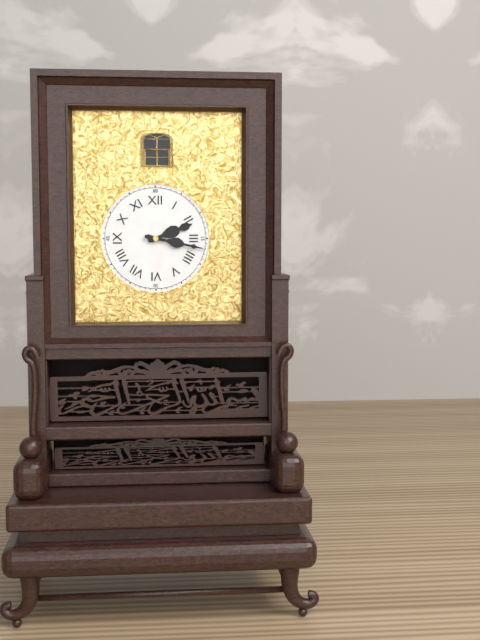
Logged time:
2h17
